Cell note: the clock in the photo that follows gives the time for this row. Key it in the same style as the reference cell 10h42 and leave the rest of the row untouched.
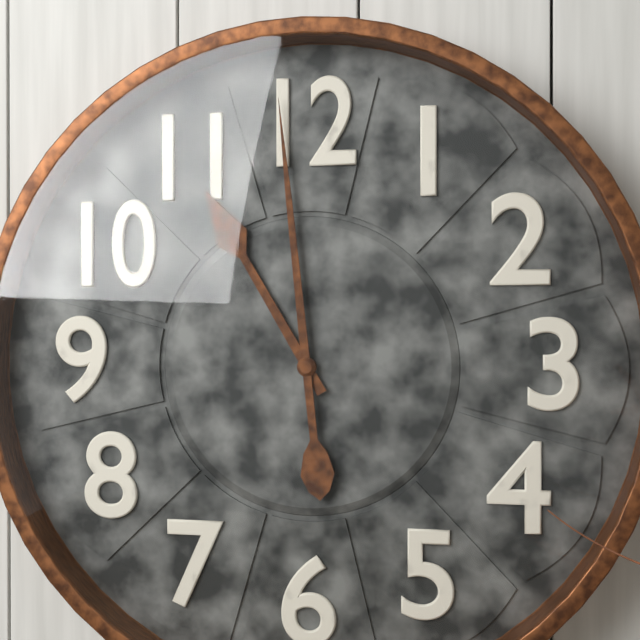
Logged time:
10h59
